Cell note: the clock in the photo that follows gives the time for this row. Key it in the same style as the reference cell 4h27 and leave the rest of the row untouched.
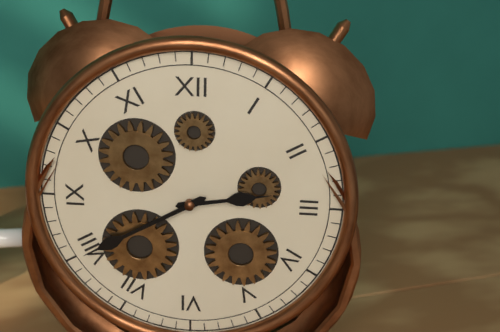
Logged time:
2h40
